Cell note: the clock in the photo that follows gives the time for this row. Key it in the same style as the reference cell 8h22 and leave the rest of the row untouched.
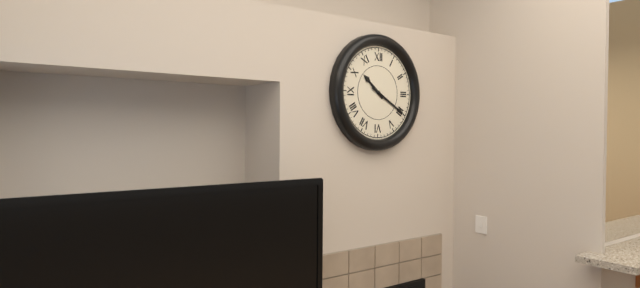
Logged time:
10h20
